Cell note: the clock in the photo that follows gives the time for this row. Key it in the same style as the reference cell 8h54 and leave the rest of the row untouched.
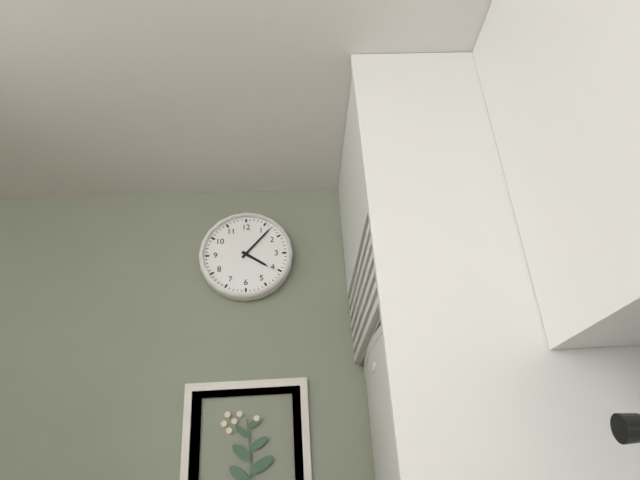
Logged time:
4h07
